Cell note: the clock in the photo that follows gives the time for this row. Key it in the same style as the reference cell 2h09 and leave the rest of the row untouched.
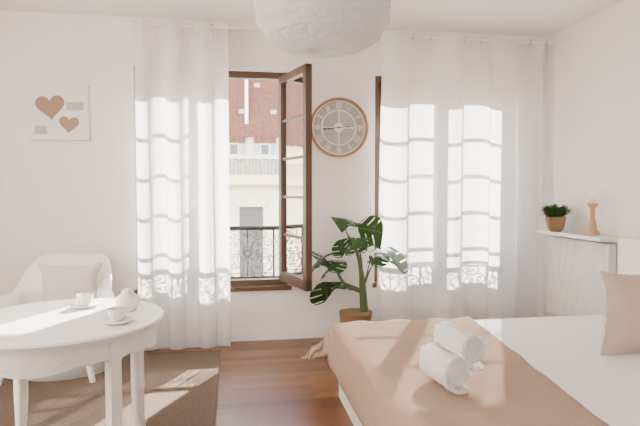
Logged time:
8h44
